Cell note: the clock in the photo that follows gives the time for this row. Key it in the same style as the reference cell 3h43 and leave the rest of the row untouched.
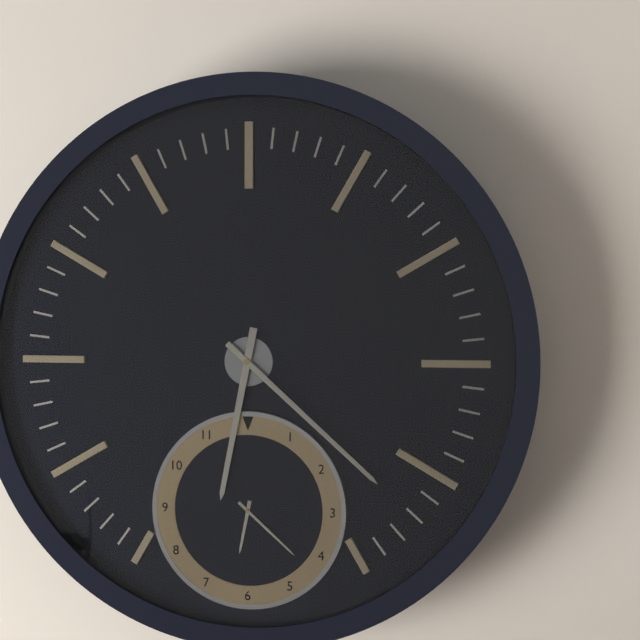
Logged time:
6h22
